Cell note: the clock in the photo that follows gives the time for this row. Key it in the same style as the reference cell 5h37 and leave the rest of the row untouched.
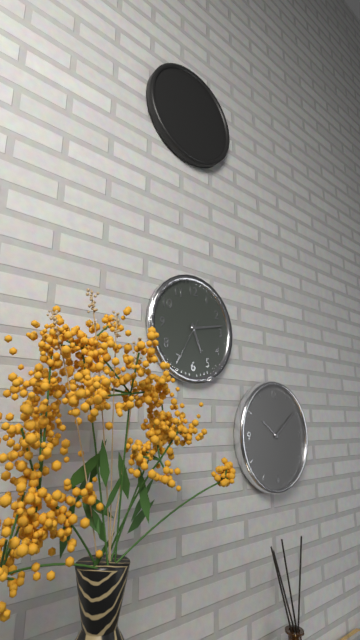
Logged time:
5h13
